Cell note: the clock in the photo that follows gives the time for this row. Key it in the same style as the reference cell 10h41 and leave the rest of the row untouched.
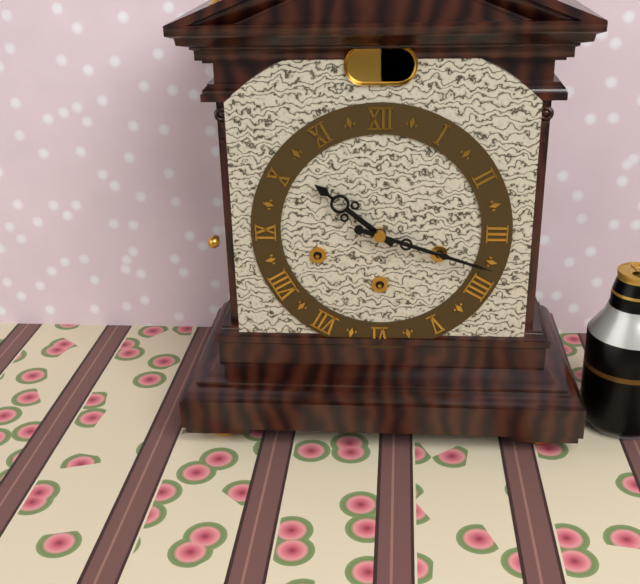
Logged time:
10h18
